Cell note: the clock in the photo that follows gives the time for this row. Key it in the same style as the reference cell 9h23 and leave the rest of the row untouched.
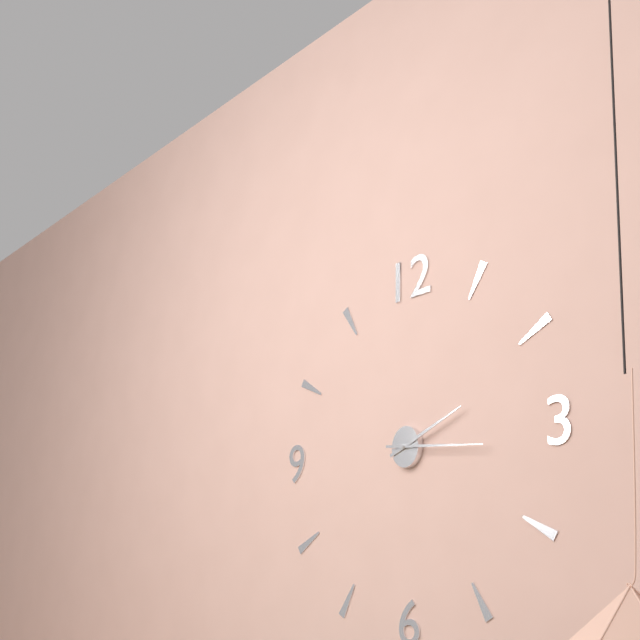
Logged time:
2h16
